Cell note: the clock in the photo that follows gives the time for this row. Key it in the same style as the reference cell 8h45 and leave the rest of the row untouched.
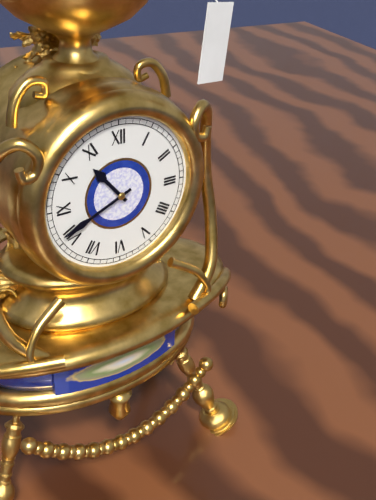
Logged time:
10h41
